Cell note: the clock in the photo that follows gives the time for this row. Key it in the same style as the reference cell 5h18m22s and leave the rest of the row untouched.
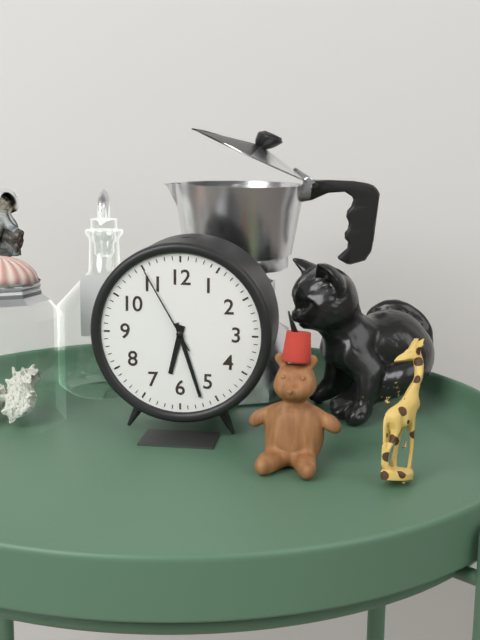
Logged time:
6h27m55s
